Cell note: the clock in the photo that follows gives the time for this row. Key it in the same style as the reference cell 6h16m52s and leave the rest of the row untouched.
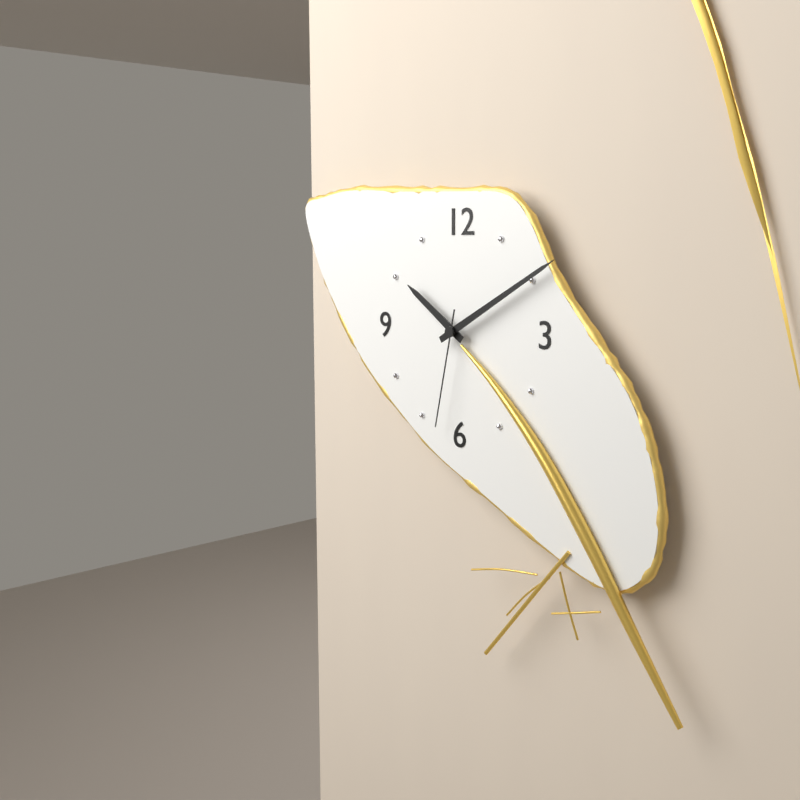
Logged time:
10h10m32s
